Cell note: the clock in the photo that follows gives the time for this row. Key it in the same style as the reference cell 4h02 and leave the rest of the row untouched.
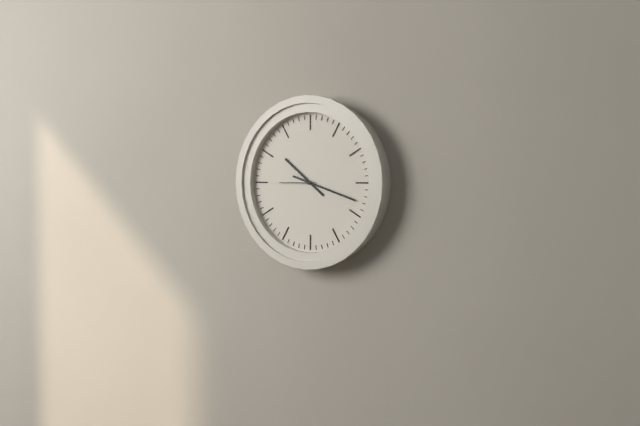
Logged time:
10h18
